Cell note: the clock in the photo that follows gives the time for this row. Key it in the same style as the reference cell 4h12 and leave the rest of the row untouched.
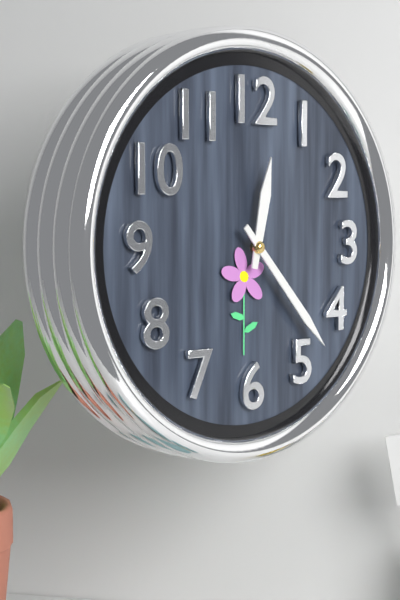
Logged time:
12h23
